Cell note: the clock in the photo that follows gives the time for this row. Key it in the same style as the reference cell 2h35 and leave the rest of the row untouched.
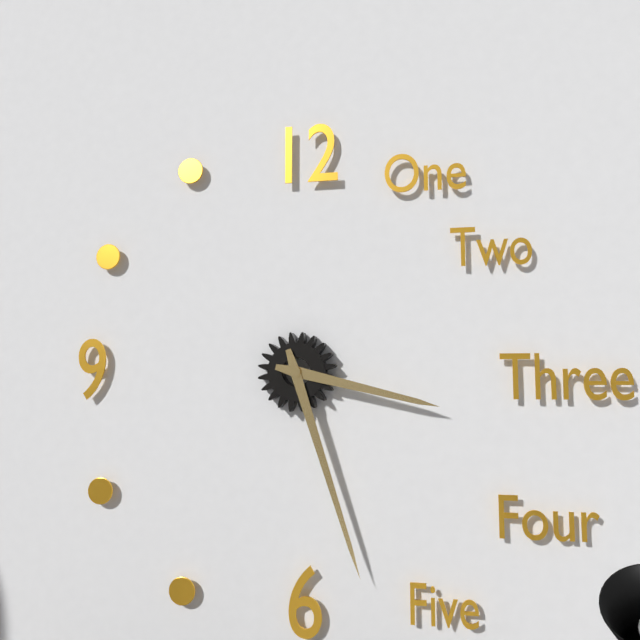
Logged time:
3h27
